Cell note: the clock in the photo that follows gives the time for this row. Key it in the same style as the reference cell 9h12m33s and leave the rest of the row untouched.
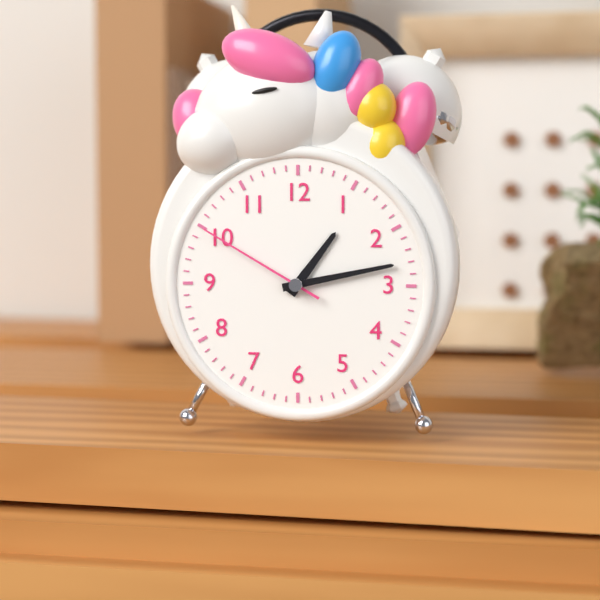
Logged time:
1h13m50s
